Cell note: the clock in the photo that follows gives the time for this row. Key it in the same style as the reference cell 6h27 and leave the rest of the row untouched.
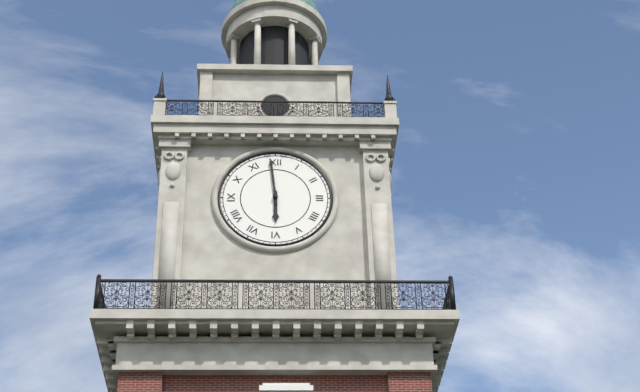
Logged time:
5h59
